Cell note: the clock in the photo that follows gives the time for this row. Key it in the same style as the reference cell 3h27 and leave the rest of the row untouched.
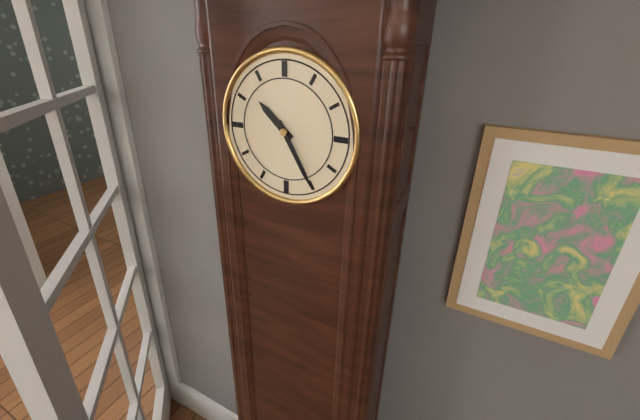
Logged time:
10h25
